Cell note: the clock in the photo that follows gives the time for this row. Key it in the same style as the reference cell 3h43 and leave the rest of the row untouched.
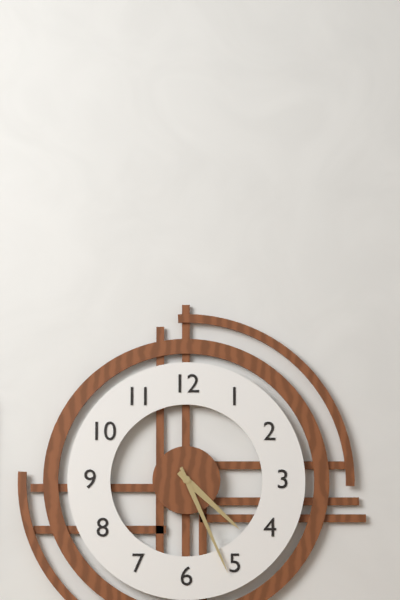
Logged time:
4h26
